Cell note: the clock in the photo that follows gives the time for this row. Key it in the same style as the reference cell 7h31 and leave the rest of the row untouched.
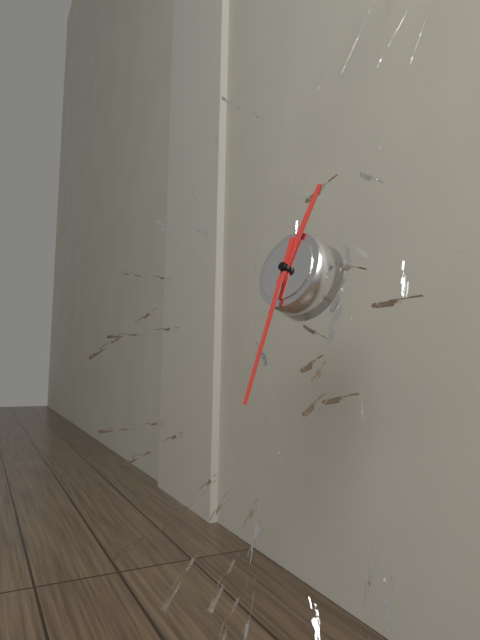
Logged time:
12h31
